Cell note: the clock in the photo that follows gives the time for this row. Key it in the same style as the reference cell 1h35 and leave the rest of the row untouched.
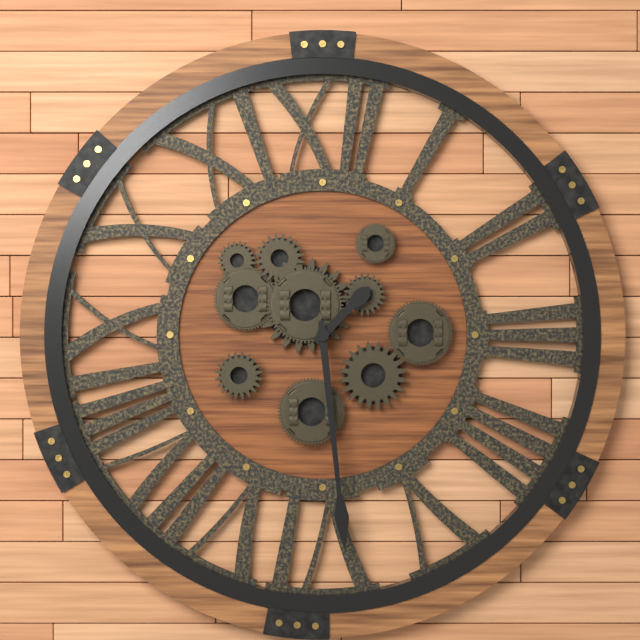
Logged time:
1h29
